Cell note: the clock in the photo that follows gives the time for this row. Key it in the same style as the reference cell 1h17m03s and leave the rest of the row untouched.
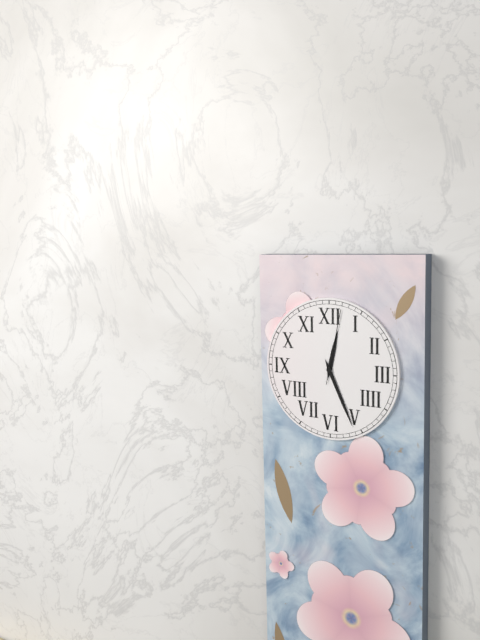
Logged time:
12h26m02s
